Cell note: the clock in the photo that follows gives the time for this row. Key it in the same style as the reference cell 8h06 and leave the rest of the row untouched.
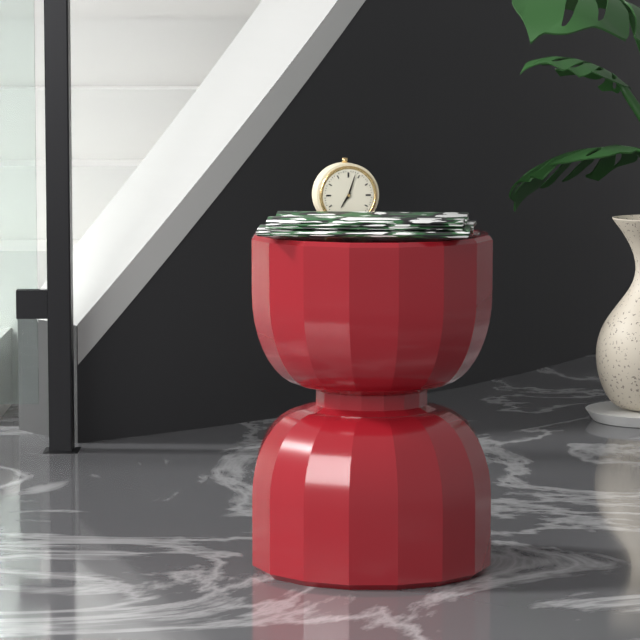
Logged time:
7h03
